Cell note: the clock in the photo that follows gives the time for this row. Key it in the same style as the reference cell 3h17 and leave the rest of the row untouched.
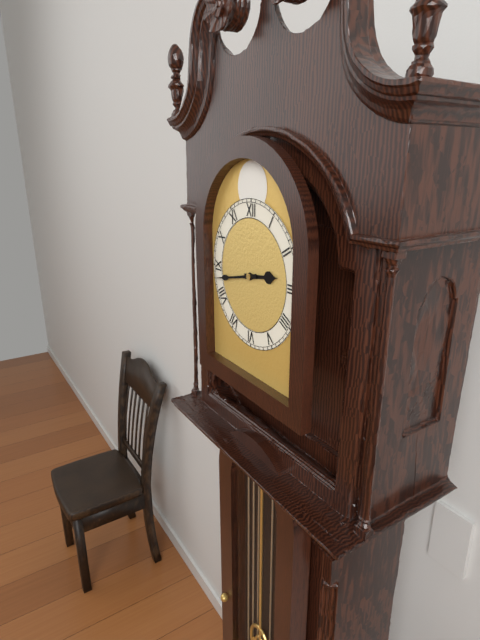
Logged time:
2h43
